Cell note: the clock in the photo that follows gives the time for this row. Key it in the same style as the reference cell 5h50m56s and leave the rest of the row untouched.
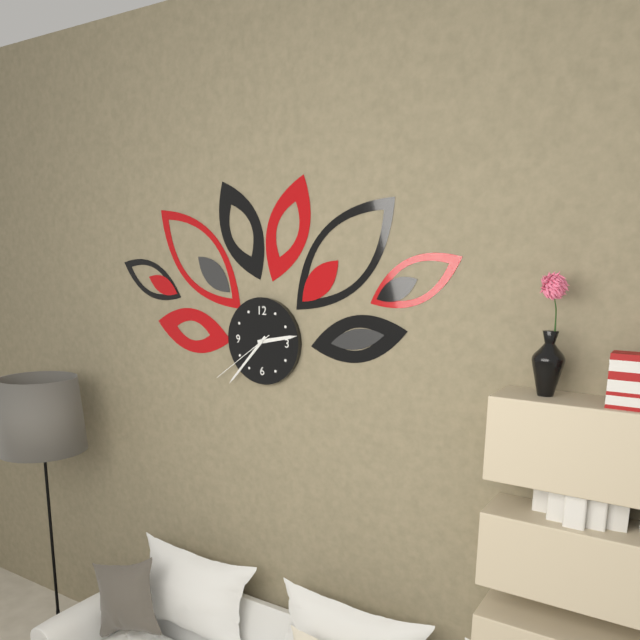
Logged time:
2h37m39s
